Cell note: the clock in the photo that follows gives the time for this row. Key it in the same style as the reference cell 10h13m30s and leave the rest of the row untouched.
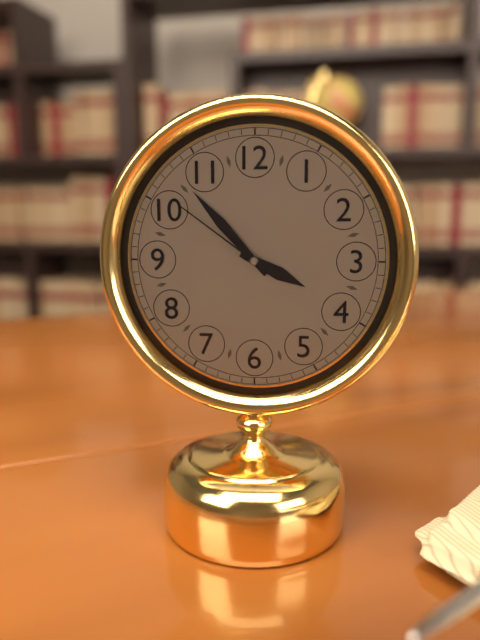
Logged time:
3h53m51s
